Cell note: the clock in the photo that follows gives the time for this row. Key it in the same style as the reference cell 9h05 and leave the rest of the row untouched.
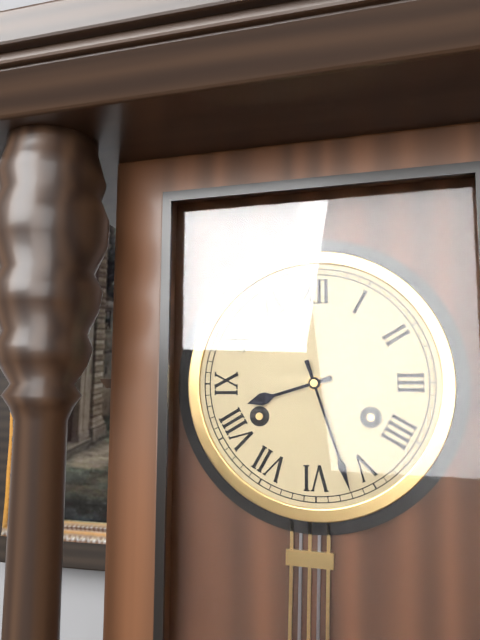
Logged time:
8h27
